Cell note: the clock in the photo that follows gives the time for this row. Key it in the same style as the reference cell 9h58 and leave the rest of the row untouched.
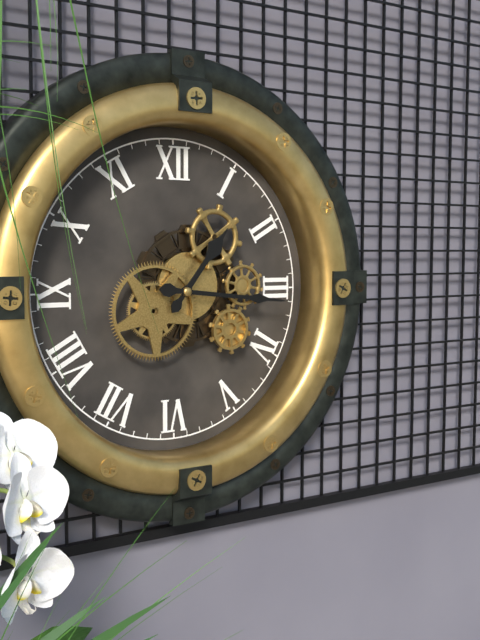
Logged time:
1h16
